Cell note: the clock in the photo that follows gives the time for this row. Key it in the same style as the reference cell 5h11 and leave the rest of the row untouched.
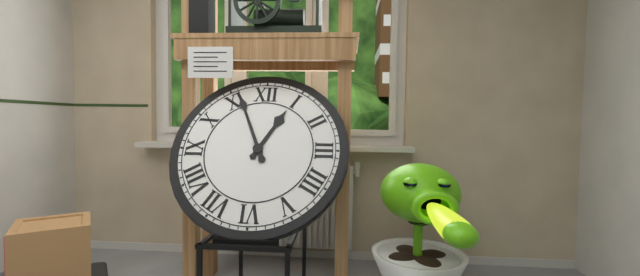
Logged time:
12h56
